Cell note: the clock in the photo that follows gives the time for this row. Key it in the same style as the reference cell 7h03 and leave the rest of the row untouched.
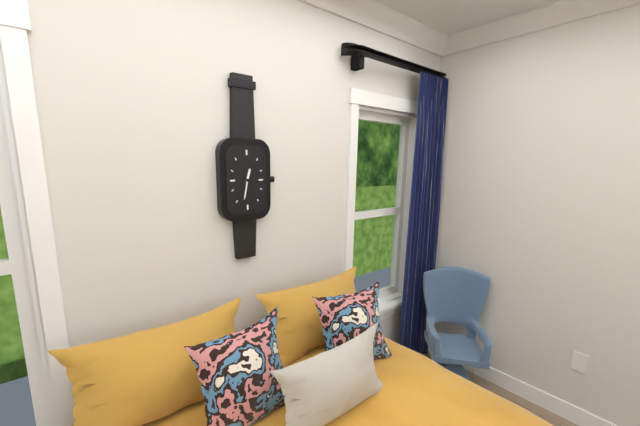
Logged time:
12h32
